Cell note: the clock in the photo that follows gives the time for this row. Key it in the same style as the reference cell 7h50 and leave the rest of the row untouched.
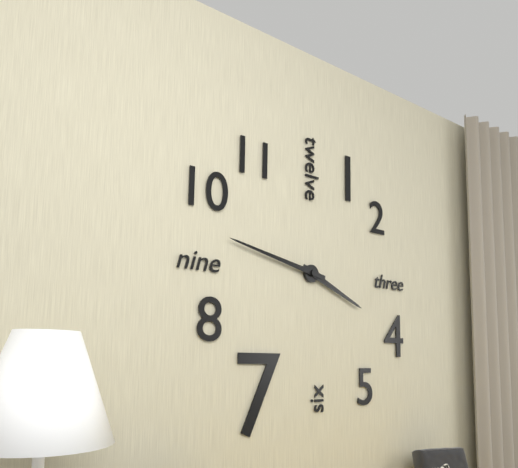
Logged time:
3h47
